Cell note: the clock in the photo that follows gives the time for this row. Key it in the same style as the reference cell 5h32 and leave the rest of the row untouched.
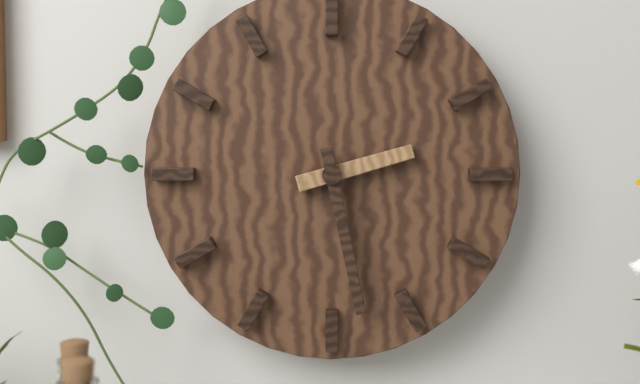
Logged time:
2h28
